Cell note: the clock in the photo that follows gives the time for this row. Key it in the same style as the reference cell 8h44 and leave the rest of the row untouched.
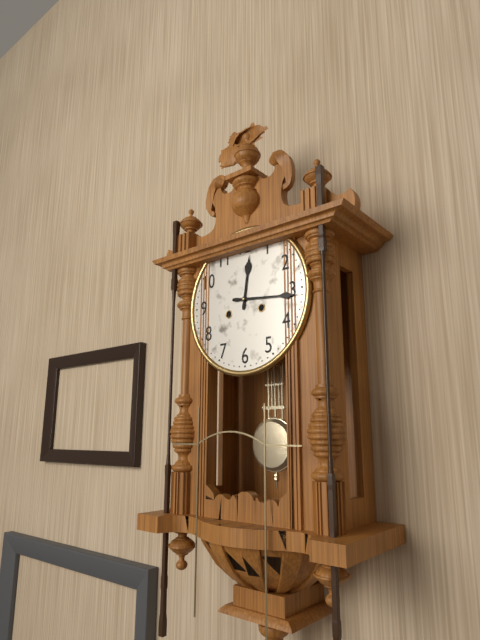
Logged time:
12h16
